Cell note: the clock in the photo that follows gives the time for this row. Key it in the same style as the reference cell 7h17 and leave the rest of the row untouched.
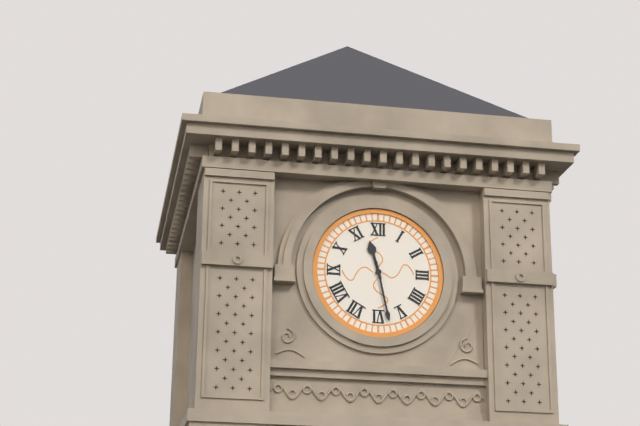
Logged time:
11h28
